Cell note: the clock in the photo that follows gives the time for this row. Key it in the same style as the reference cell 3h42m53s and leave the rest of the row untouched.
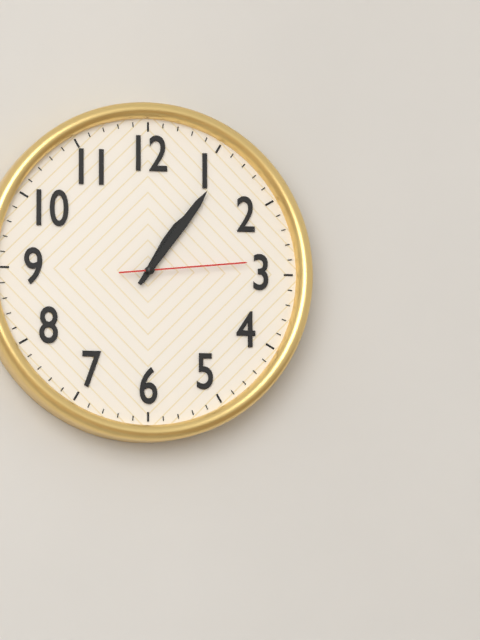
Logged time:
1h06m14s
